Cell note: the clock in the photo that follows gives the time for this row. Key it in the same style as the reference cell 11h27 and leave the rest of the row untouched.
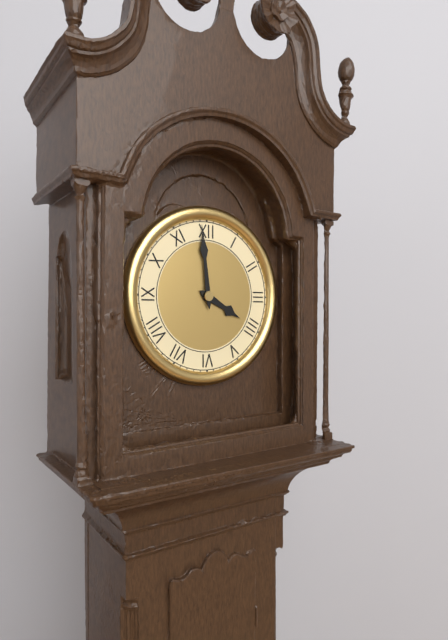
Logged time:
3h59
